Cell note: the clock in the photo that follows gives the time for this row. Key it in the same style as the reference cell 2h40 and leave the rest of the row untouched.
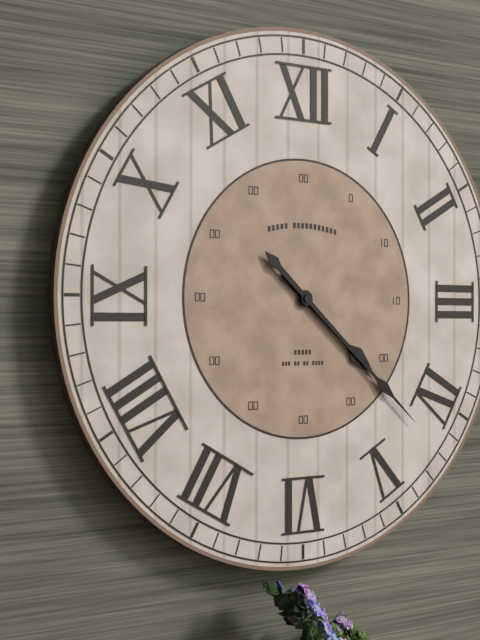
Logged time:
4h22
